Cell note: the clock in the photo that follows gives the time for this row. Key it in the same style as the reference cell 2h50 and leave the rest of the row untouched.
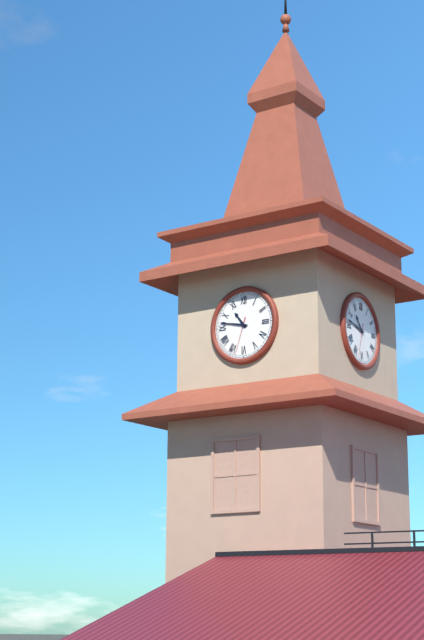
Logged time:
10h47
